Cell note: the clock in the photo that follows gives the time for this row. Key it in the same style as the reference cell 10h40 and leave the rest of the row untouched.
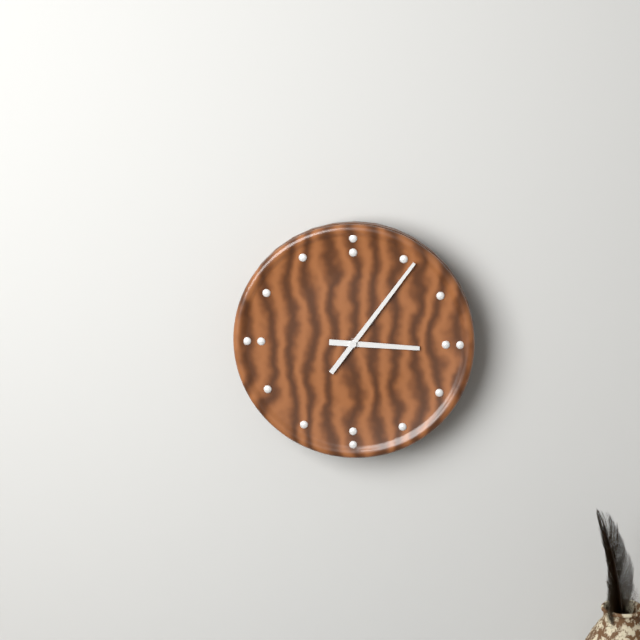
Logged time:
3h06
